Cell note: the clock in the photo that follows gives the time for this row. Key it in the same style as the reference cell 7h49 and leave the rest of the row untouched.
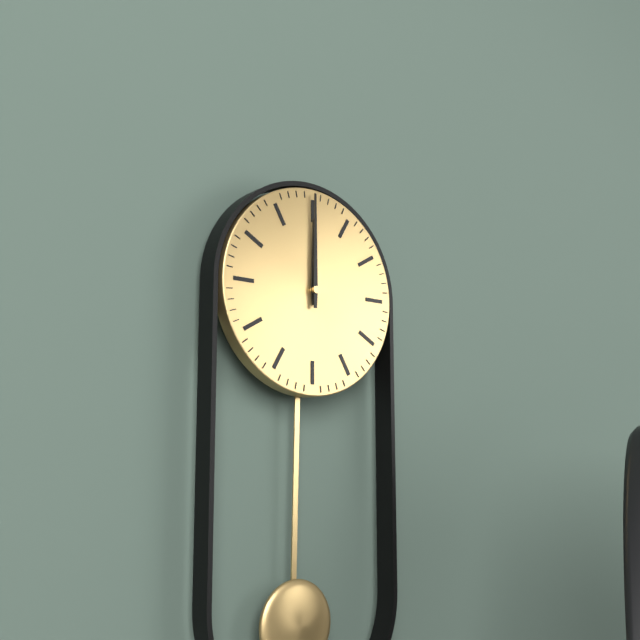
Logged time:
12h00
